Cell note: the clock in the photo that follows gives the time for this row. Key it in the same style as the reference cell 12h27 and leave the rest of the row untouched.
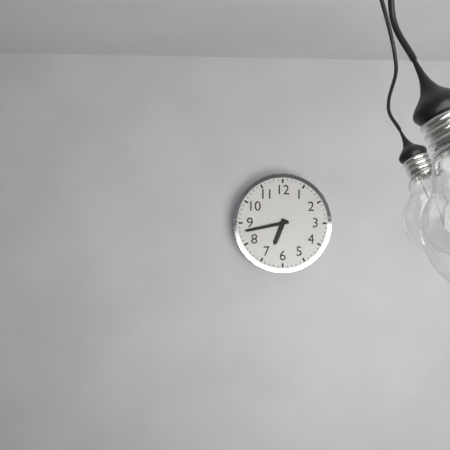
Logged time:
6h43
